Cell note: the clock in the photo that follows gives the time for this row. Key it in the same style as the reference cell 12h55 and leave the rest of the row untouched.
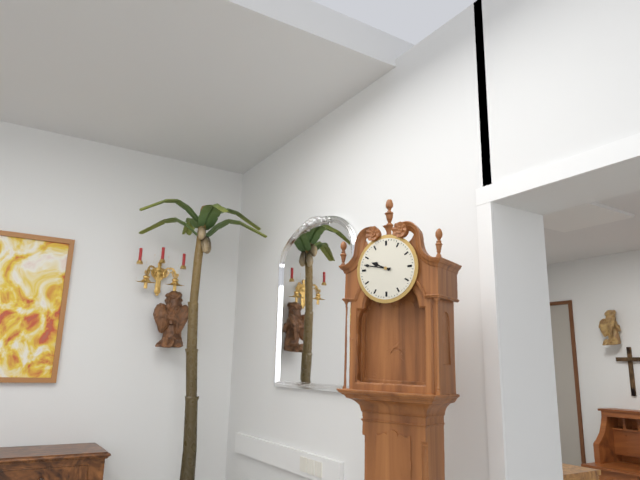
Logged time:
9h47
